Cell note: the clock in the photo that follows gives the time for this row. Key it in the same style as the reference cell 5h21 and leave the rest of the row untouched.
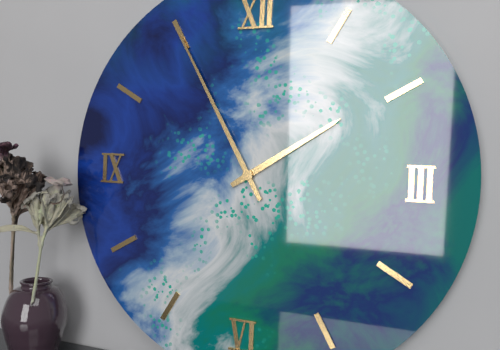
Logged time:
1h55
